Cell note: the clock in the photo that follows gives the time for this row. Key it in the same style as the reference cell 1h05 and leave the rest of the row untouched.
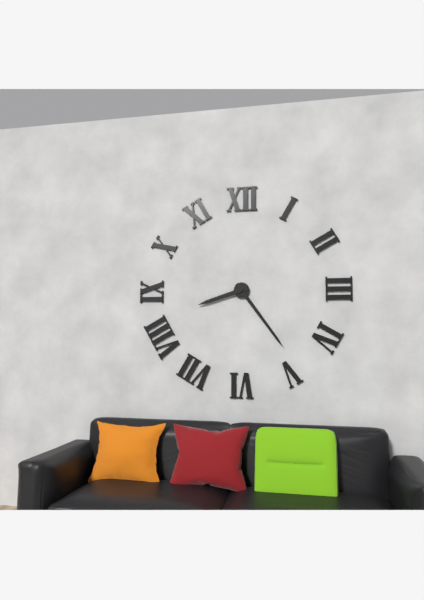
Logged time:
8h24
